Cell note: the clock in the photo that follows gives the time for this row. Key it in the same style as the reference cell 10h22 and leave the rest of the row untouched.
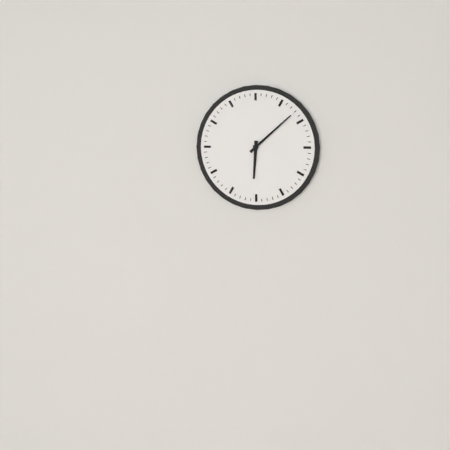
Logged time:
6h08
